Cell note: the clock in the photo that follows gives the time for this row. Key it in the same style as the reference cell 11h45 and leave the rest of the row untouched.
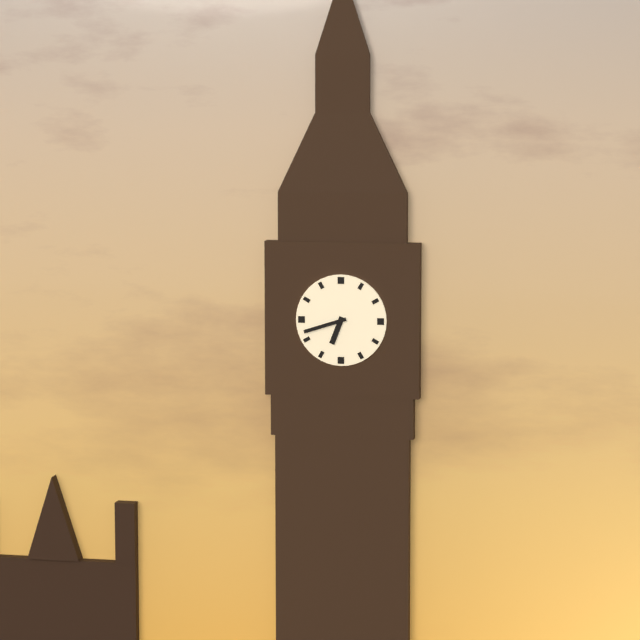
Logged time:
6h42
